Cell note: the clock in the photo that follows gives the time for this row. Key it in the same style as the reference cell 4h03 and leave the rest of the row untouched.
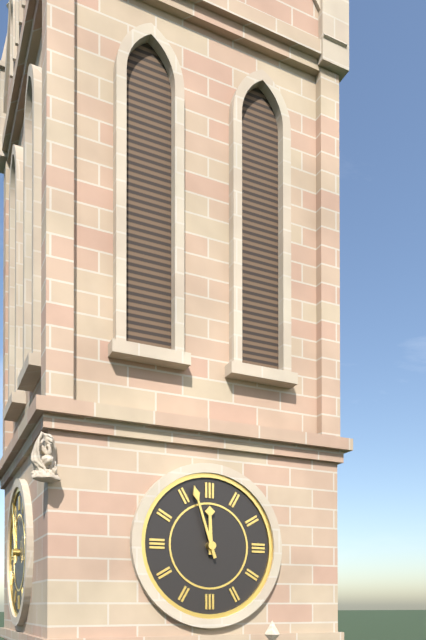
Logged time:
11h57
